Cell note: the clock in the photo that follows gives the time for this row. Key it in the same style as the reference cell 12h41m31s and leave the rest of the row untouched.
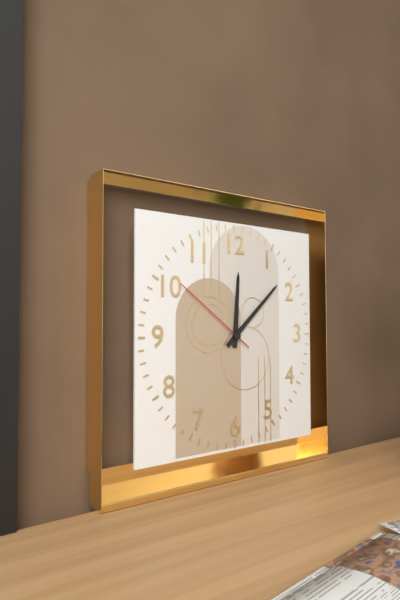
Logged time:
12h08m51s
